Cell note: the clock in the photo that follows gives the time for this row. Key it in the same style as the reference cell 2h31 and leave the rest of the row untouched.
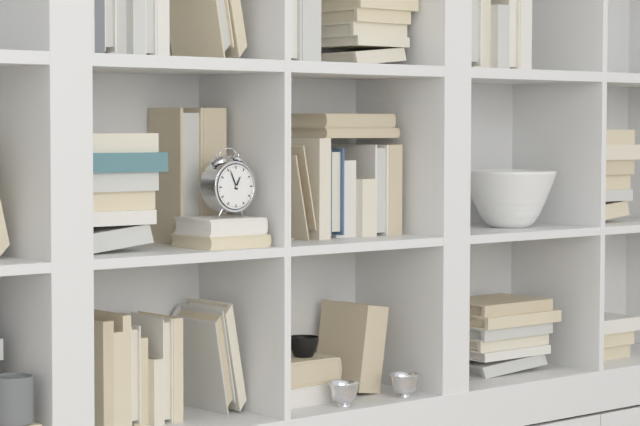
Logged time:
12h56
